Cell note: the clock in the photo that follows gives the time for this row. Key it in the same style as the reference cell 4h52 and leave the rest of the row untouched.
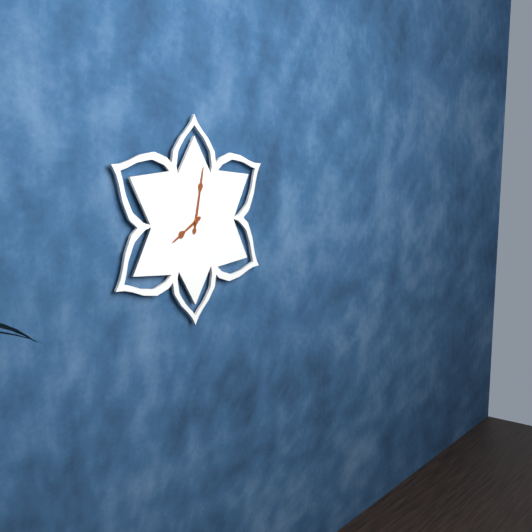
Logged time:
8h02
